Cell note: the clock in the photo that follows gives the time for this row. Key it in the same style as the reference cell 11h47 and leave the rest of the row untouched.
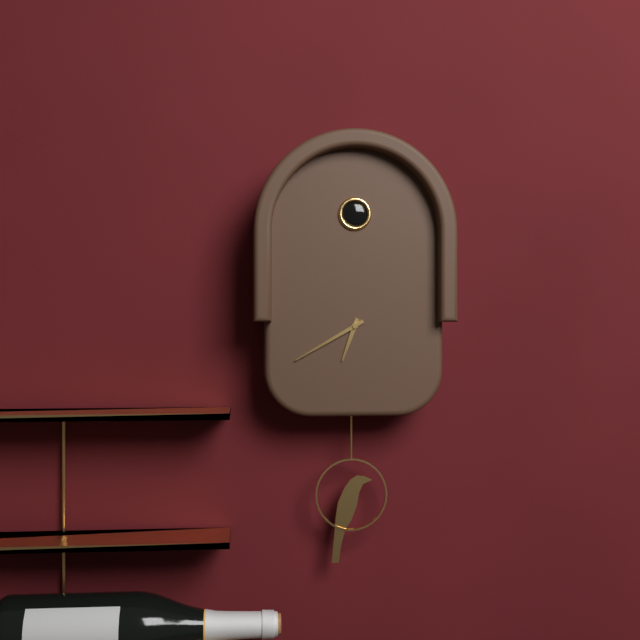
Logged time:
6h40
